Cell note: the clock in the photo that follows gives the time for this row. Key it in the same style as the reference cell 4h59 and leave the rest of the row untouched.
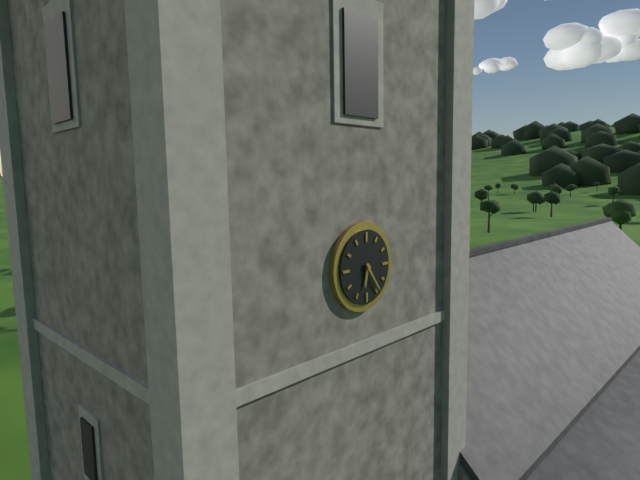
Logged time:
6h24
